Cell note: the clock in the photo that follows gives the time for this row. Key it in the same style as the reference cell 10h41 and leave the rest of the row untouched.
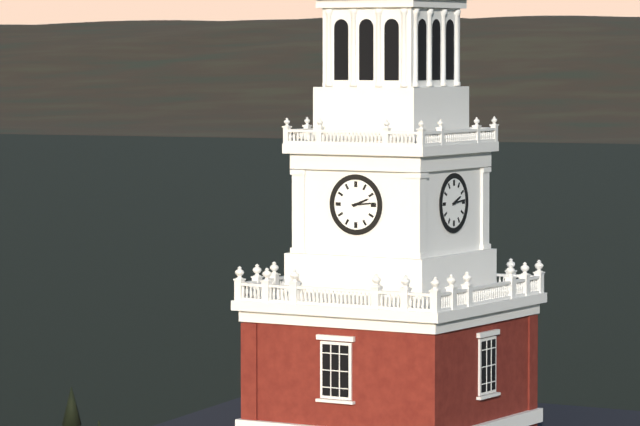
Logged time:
2h14
